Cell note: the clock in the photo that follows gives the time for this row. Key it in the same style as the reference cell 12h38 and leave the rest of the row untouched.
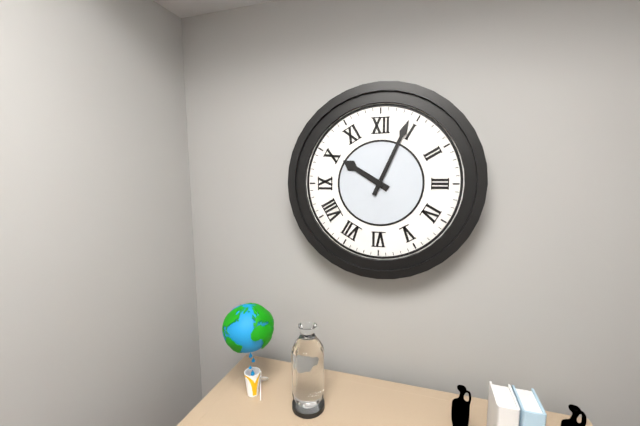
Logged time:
10h04
